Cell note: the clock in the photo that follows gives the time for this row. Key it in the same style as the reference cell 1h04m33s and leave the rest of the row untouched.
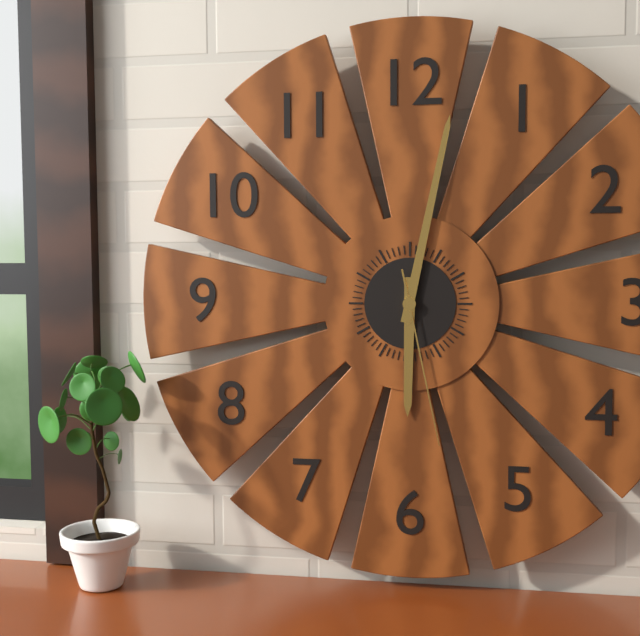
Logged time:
6h02m28s
